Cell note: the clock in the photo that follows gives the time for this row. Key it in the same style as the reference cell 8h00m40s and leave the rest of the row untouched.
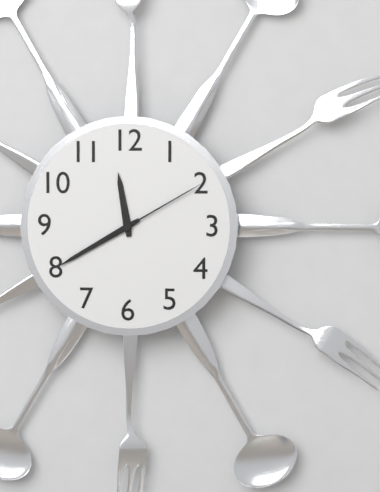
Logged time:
11h40m10s
